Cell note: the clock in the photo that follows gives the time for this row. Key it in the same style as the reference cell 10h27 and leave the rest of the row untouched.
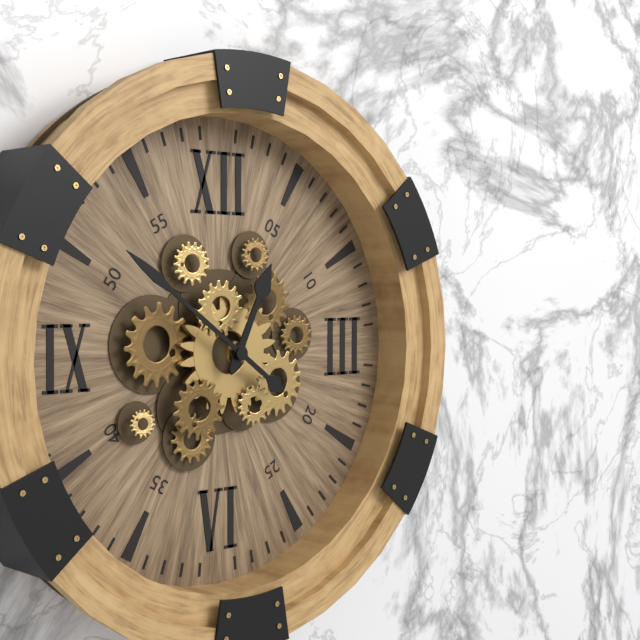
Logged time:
12h51
